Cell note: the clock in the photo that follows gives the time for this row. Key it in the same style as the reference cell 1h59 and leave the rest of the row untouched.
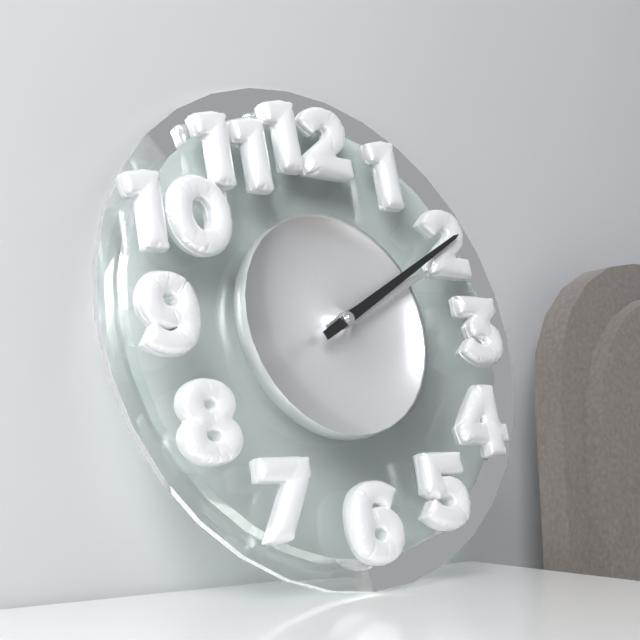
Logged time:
2h10
